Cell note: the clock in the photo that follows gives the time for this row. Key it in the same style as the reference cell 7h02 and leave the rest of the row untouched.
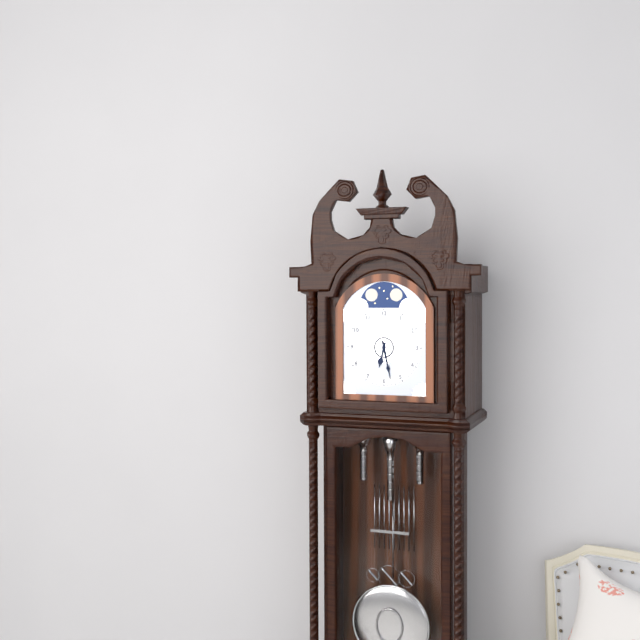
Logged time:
6h28
